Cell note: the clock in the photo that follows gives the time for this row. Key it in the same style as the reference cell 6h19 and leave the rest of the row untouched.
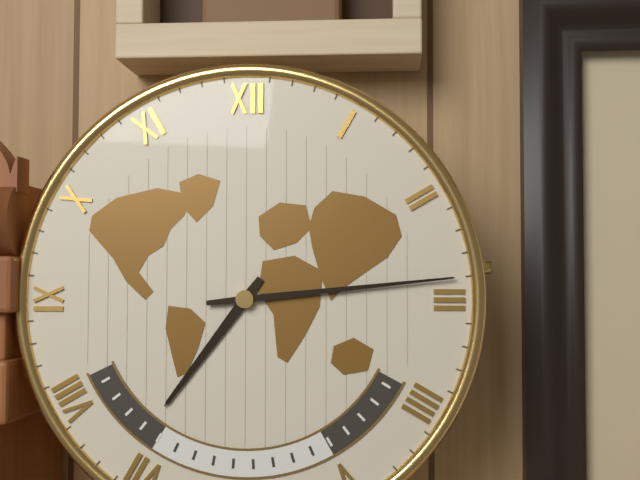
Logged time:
7h14
